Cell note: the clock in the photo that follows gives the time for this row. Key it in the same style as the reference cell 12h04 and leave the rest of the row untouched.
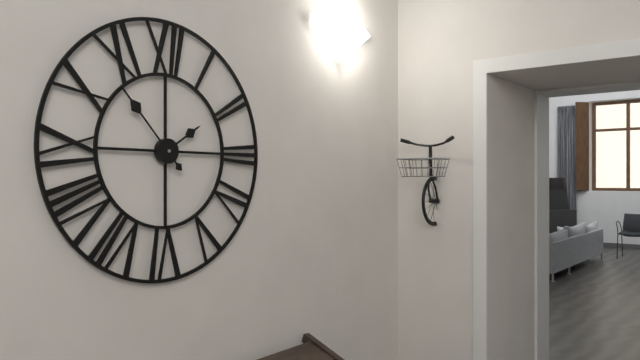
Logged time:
1h53
